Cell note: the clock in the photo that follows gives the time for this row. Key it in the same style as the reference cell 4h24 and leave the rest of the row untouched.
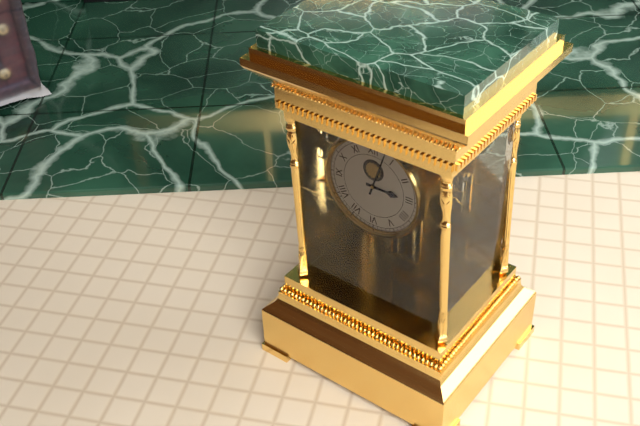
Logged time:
3h03
